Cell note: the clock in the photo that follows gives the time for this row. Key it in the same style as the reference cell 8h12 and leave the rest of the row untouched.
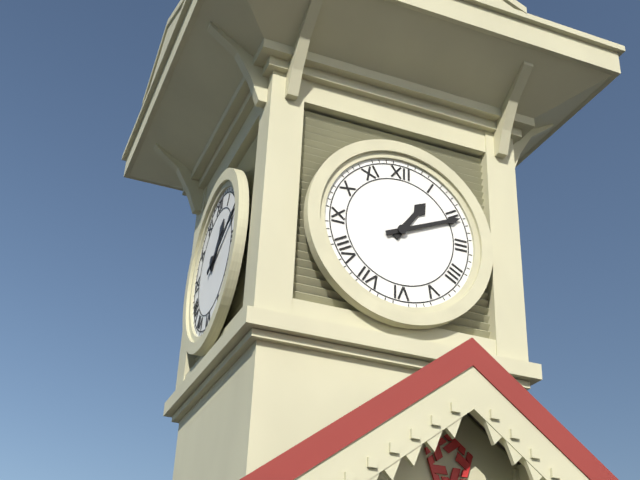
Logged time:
1h11
